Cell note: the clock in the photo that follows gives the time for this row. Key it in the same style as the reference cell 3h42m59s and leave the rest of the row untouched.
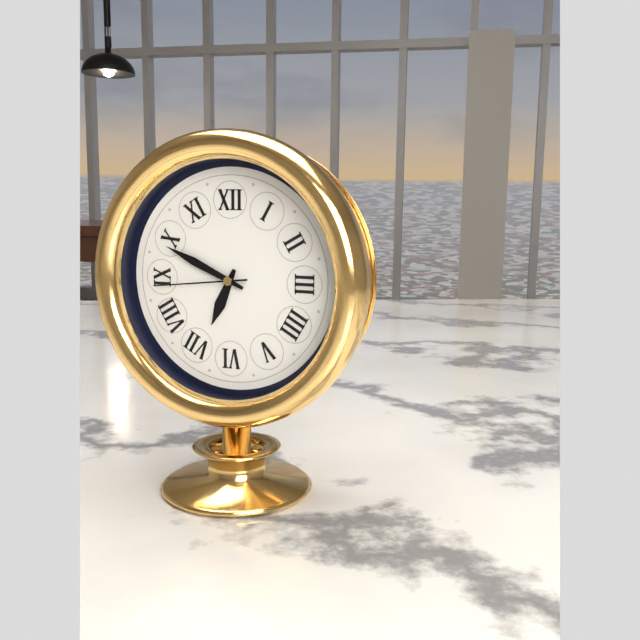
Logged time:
6h49m44s
